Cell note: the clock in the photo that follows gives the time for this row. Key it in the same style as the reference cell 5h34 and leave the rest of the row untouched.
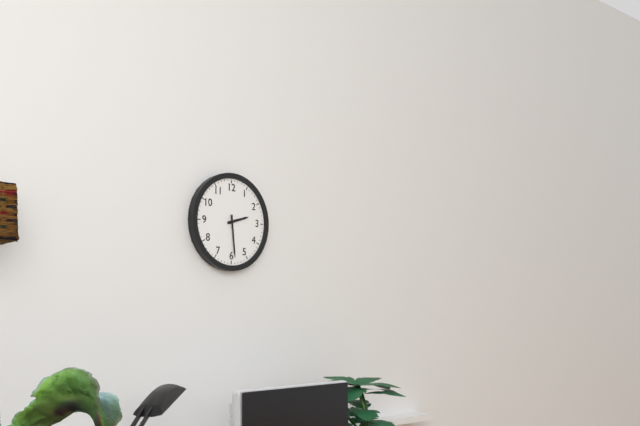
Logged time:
2h29
